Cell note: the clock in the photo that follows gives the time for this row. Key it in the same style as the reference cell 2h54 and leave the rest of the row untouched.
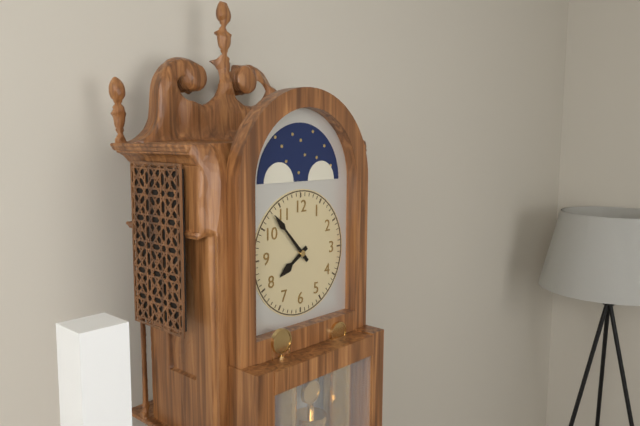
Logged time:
7h53
